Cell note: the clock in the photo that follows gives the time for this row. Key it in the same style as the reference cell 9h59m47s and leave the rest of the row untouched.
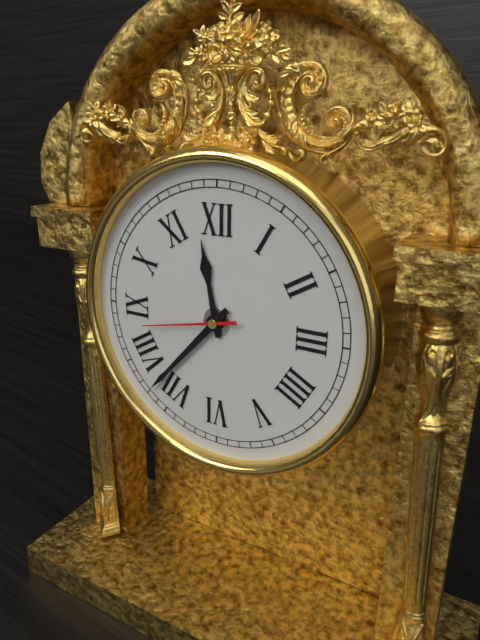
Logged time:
11h37m43s
